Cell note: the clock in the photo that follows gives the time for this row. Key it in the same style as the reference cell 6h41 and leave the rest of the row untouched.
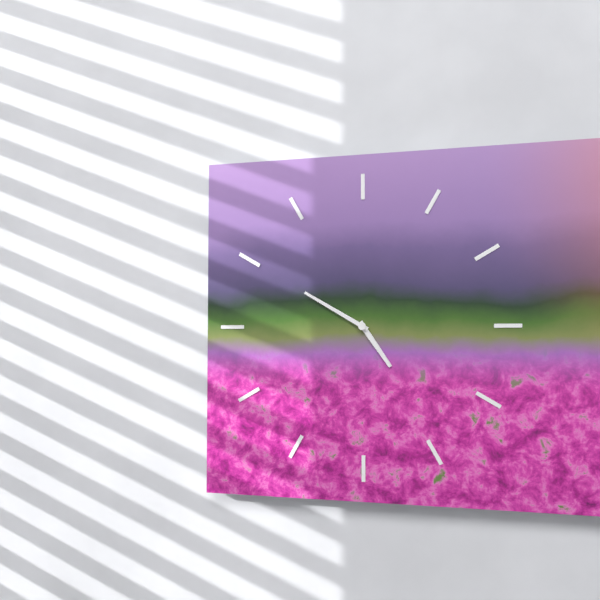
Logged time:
4h50
